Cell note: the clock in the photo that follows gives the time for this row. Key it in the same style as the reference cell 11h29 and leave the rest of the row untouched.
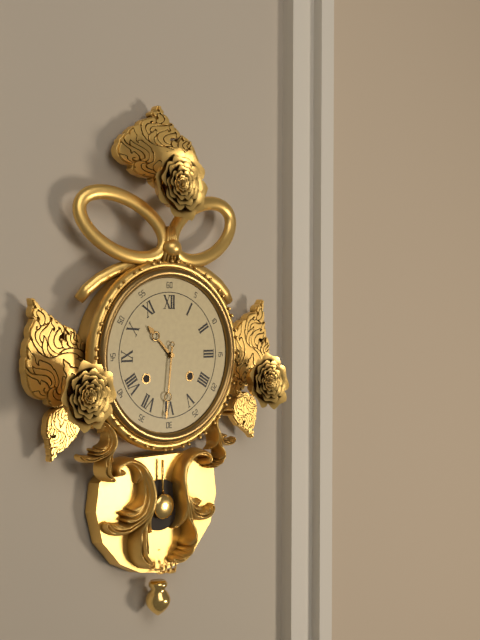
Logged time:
10h31
